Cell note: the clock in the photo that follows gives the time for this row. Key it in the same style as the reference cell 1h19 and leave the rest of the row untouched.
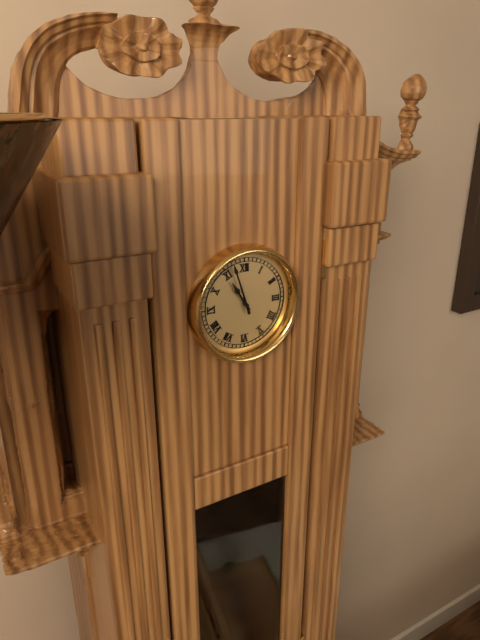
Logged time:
10h57
